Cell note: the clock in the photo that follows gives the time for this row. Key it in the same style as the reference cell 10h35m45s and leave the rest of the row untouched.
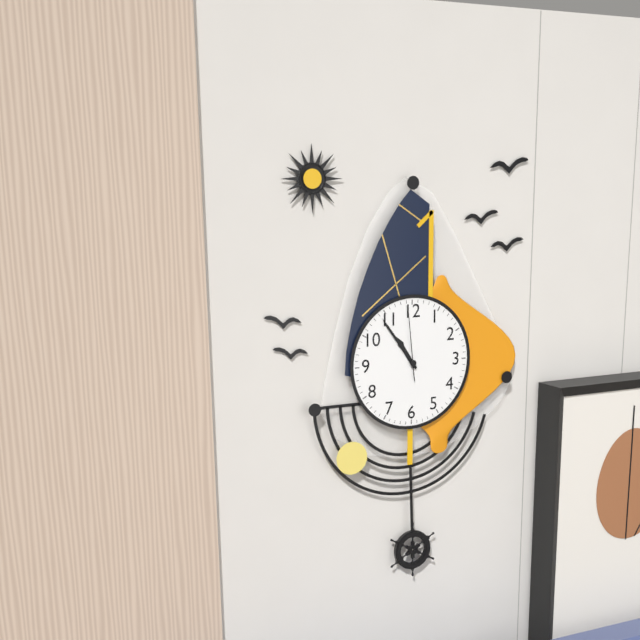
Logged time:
10h54m59s
